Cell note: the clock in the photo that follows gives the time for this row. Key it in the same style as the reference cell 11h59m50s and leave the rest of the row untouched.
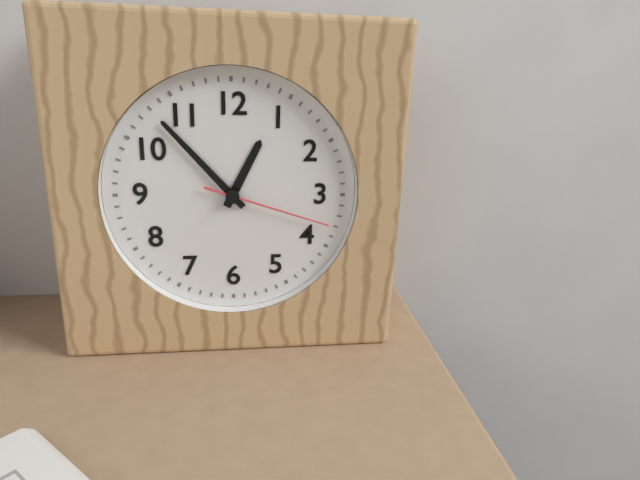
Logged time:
12h53m18s
